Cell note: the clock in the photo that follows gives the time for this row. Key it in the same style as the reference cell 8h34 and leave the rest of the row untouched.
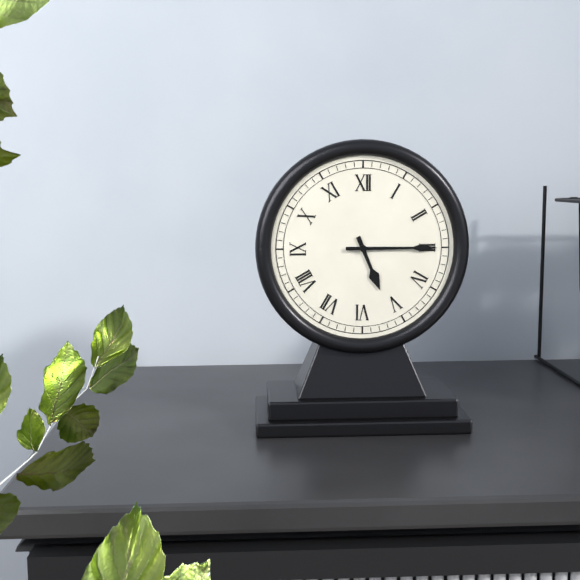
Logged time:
5h15
